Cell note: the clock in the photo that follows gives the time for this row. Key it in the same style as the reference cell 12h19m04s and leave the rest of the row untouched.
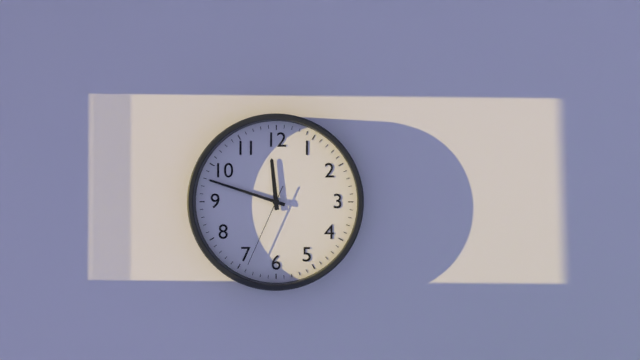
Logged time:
11h48m34s
